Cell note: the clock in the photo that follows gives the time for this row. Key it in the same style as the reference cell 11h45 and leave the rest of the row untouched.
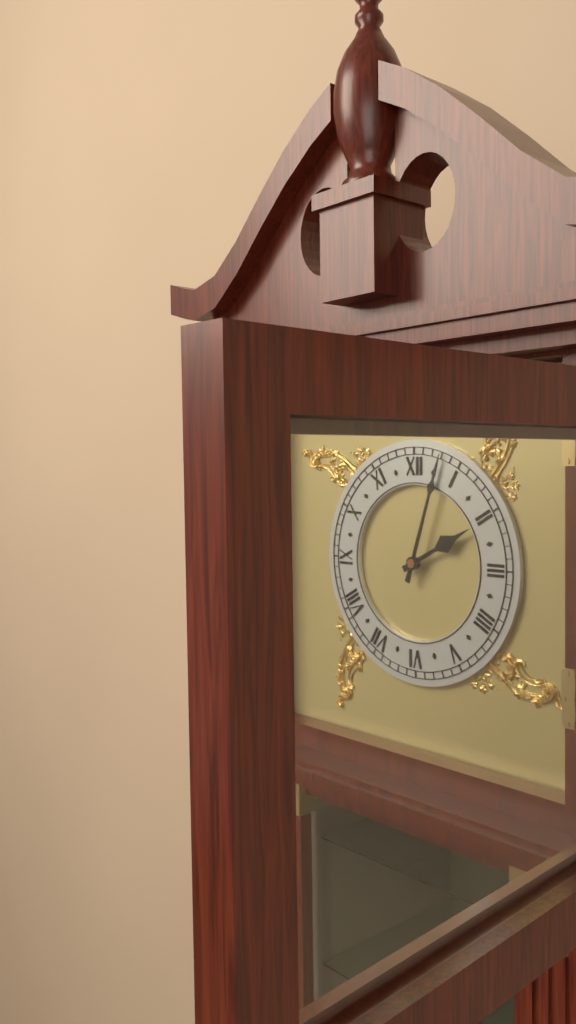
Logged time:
2h03
